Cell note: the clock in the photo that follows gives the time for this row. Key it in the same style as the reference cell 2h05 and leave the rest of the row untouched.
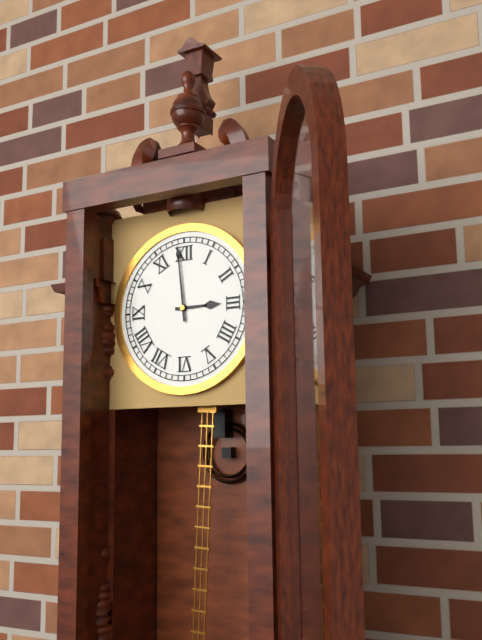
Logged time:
2h59
